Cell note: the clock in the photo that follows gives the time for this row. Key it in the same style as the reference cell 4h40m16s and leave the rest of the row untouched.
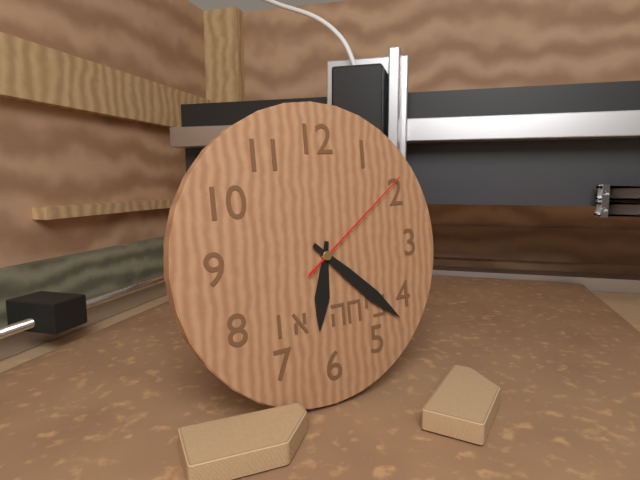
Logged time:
6h22m09s
